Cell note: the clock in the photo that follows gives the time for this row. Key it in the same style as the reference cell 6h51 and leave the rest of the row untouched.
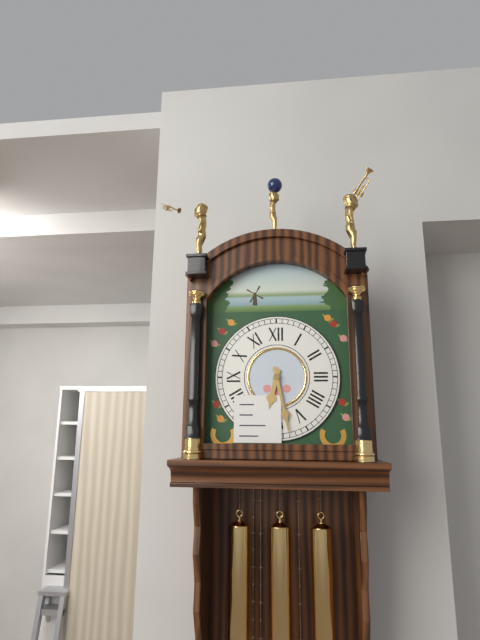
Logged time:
6h28
